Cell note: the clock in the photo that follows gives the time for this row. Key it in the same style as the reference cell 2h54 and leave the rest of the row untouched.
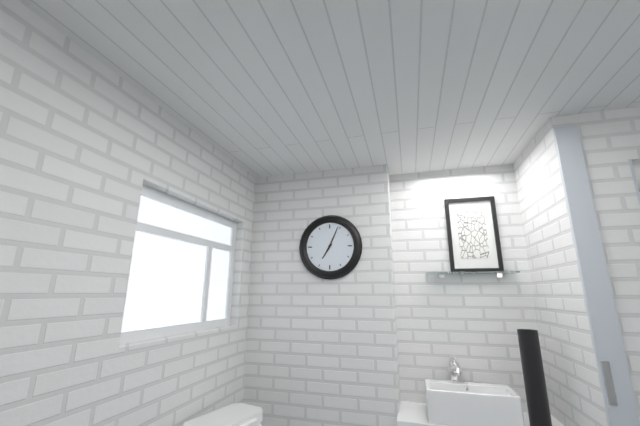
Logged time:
7h04
